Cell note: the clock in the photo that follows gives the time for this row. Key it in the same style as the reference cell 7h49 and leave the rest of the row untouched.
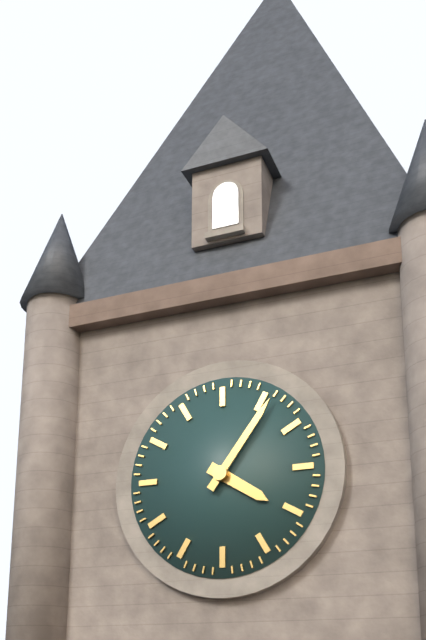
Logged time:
4h06
